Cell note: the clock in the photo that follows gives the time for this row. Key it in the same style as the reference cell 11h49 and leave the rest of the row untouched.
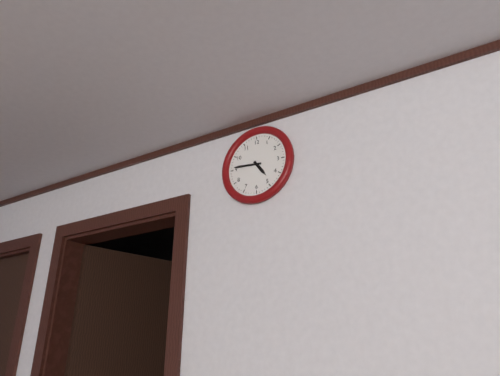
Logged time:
4h46
